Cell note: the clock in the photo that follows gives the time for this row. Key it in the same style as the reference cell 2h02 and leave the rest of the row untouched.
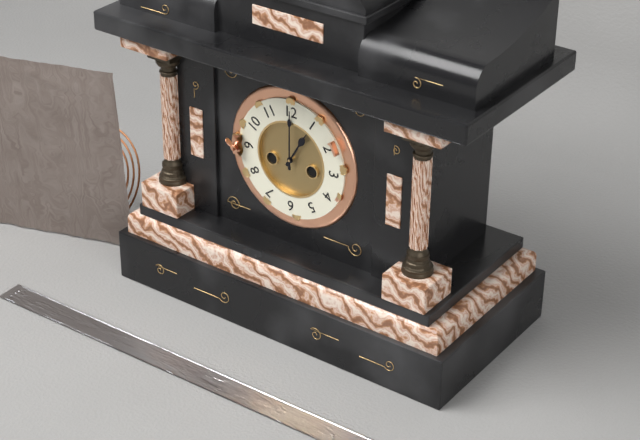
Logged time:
1h00
